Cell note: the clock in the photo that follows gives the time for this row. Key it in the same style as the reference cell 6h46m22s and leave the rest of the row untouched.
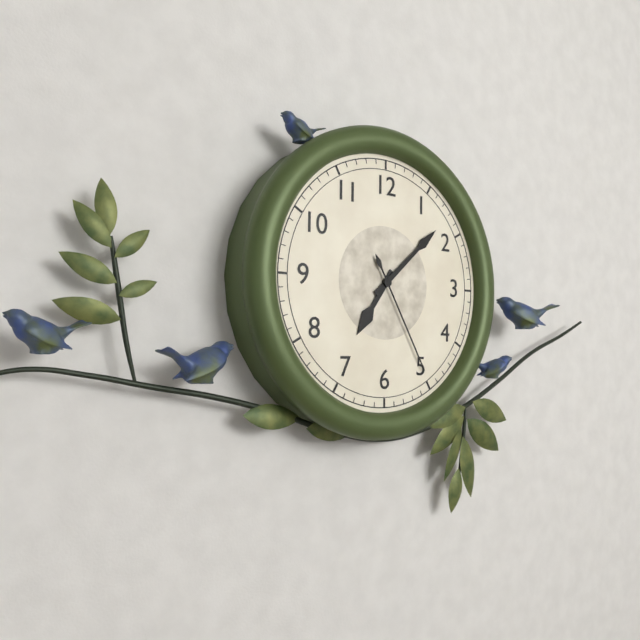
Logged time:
7h08m25s
